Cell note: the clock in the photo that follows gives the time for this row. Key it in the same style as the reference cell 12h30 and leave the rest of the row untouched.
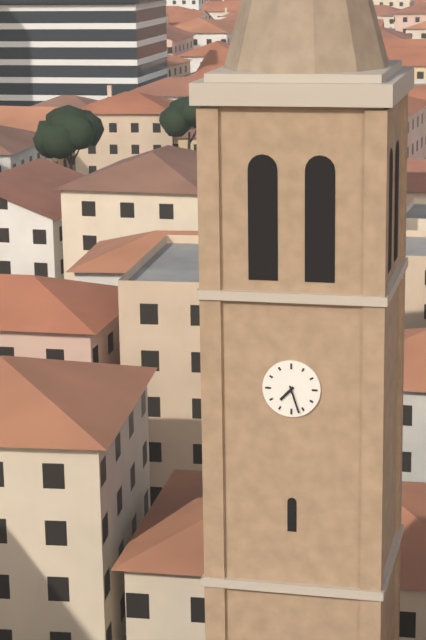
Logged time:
7h27
